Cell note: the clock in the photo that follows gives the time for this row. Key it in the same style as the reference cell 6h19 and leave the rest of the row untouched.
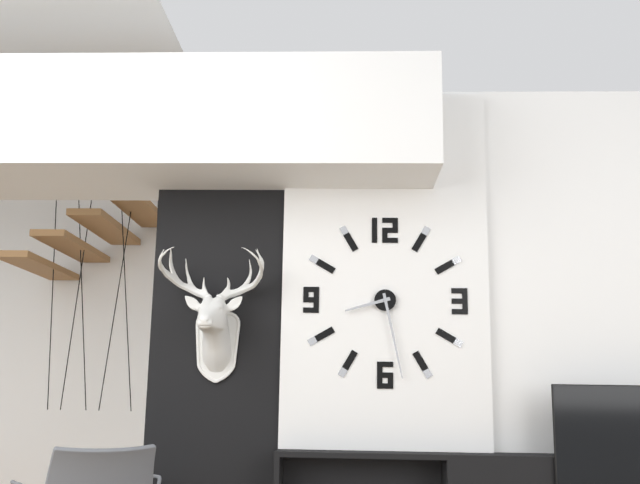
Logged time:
8h28
